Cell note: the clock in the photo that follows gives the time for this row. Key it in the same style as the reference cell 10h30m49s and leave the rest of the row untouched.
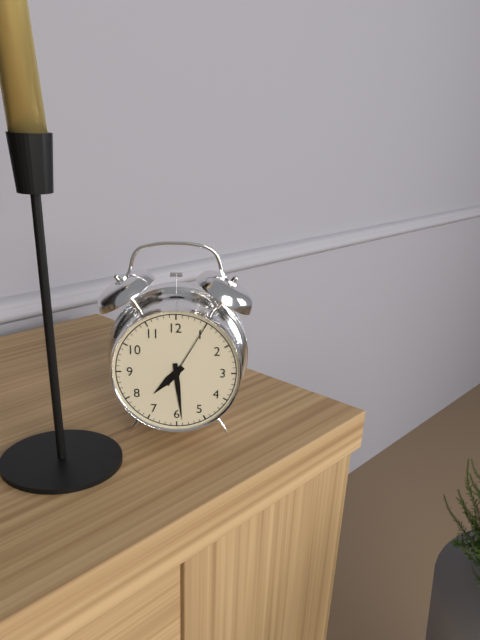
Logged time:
7h29m05s
